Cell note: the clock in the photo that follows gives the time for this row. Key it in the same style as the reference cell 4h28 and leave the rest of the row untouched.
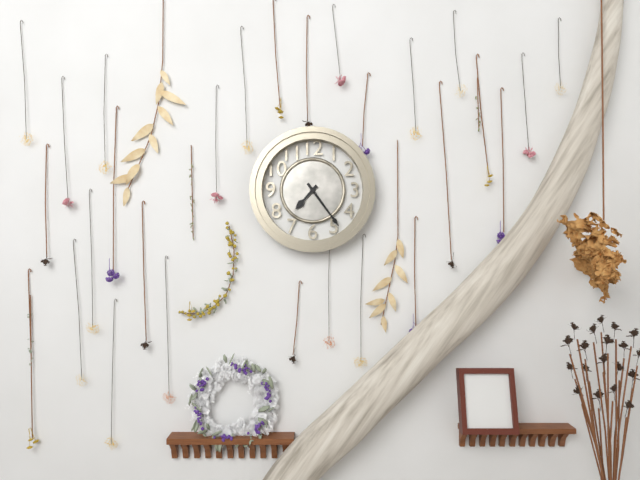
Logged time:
7h24
